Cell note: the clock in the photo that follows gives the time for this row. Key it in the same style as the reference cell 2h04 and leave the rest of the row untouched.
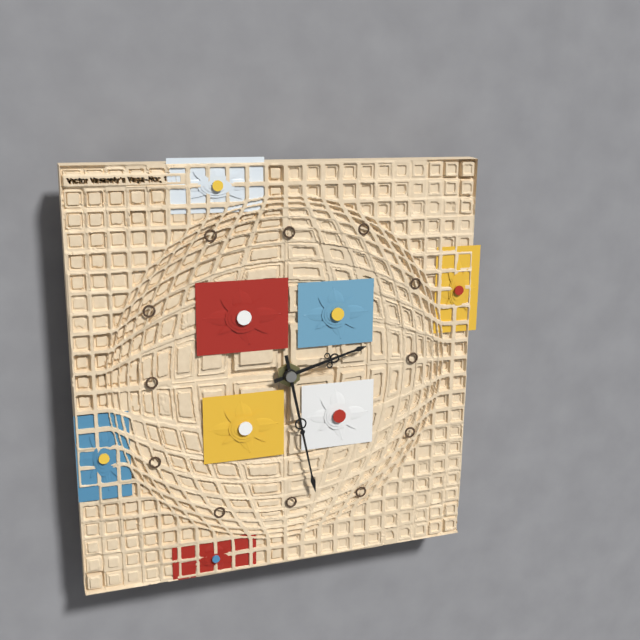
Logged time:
2h28
